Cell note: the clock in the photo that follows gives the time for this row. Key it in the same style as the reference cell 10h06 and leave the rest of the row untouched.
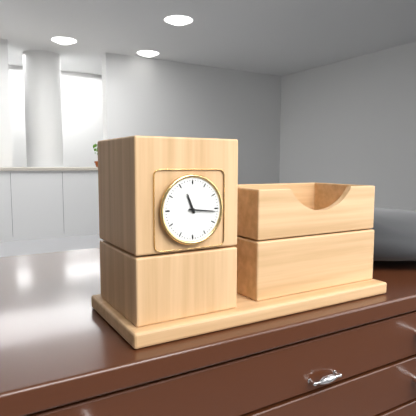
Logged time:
11h16
